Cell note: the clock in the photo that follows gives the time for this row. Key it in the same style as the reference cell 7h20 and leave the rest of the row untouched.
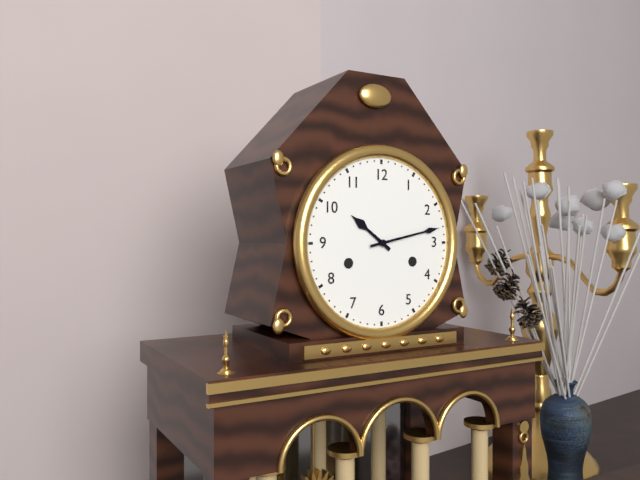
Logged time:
10h13
